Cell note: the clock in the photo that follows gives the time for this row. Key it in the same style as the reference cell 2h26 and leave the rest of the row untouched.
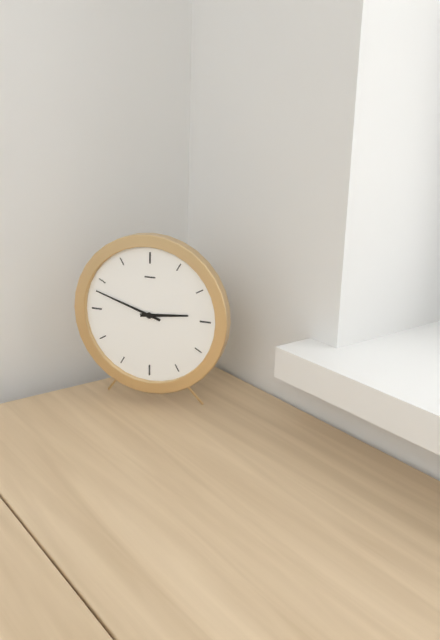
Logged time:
2h48
